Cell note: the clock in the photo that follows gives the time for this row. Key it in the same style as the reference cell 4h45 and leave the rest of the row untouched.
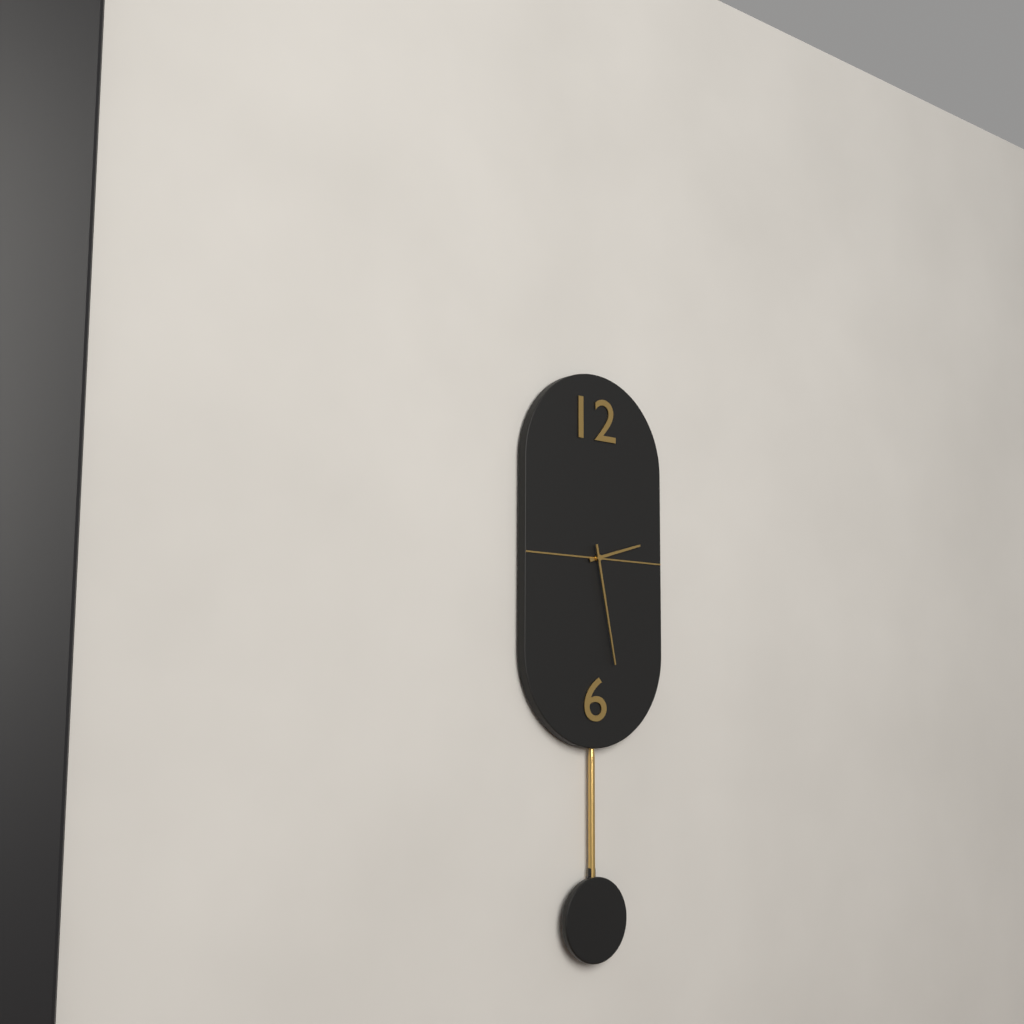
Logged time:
2h28
